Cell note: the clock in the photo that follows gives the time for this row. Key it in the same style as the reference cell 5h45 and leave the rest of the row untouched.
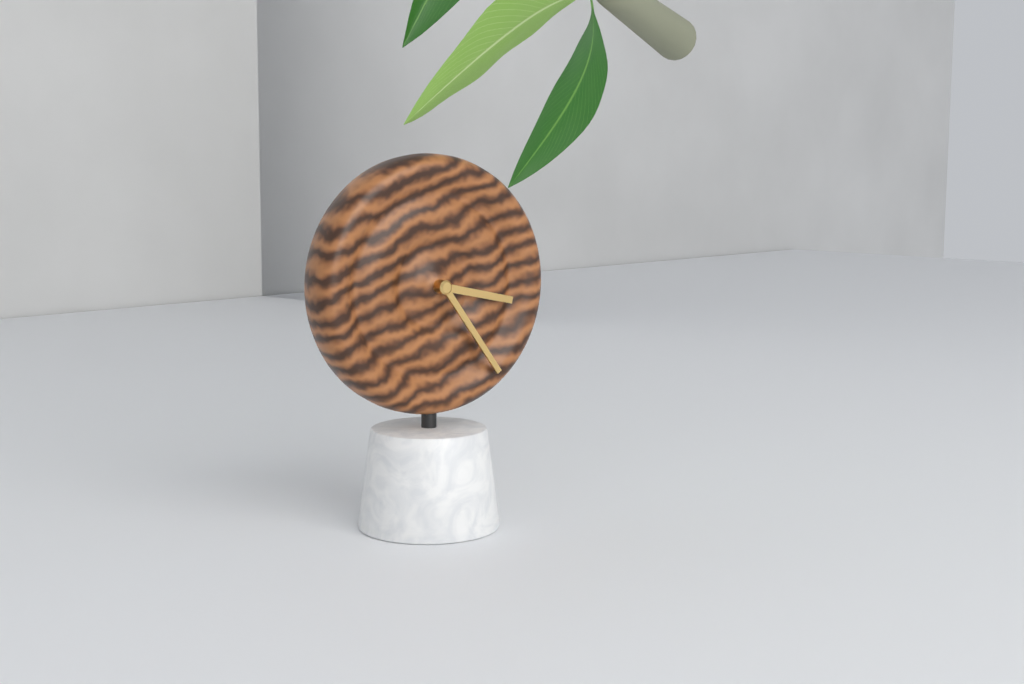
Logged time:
3h24
